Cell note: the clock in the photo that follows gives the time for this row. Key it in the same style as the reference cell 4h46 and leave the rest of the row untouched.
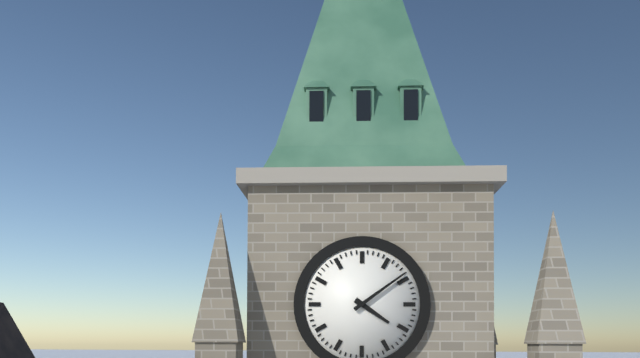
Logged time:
4h09
